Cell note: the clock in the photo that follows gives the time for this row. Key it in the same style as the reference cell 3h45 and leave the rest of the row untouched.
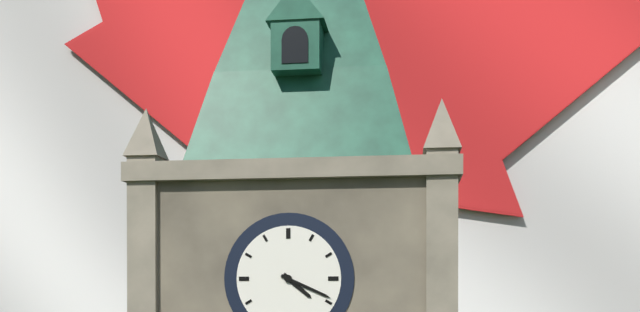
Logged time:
4h19
